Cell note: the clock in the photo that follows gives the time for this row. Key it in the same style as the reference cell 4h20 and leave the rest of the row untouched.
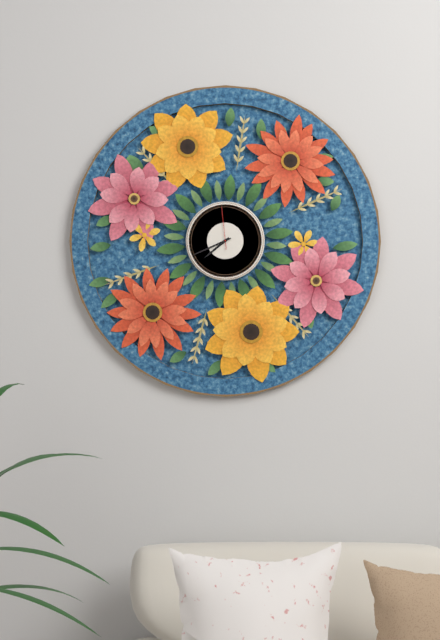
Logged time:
7h41
